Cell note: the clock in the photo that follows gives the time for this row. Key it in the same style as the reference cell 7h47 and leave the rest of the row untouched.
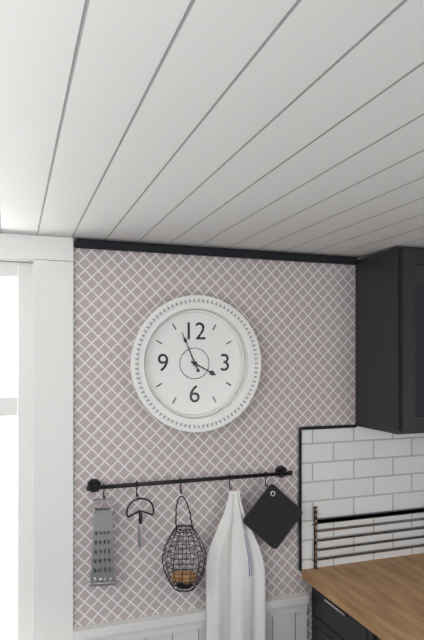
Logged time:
3h56
